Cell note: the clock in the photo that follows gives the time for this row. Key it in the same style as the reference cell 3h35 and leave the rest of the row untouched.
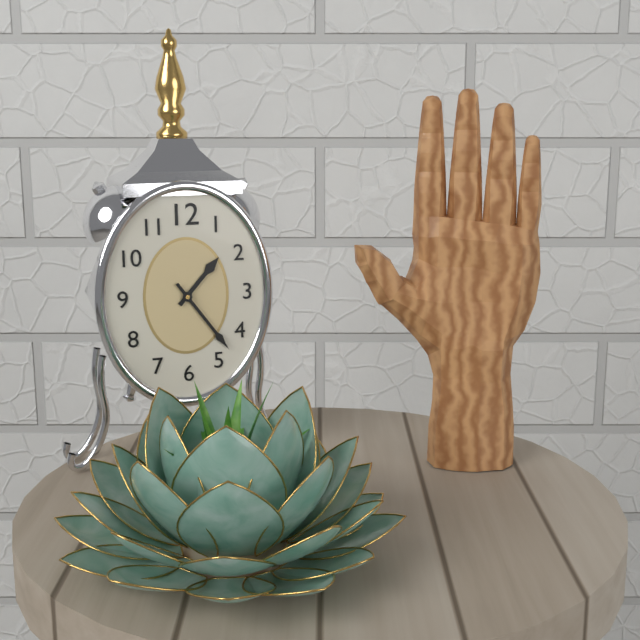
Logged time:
1h24
